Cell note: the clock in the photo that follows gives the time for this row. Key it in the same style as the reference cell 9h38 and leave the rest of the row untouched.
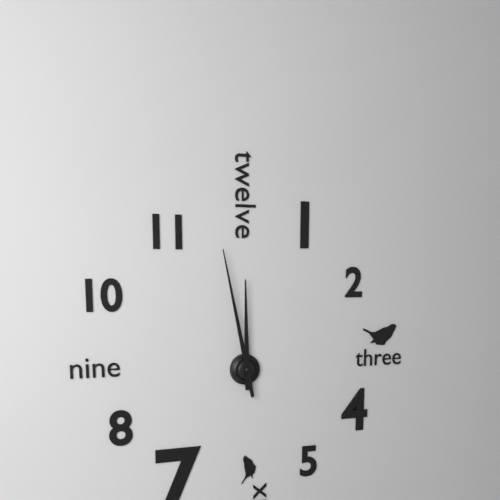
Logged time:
11h58
